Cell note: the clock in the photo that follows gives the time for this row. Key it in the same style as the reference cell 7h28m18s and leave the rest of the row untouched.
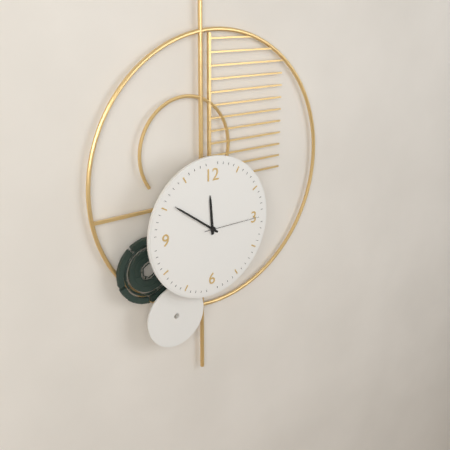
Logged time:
11h51m15s
